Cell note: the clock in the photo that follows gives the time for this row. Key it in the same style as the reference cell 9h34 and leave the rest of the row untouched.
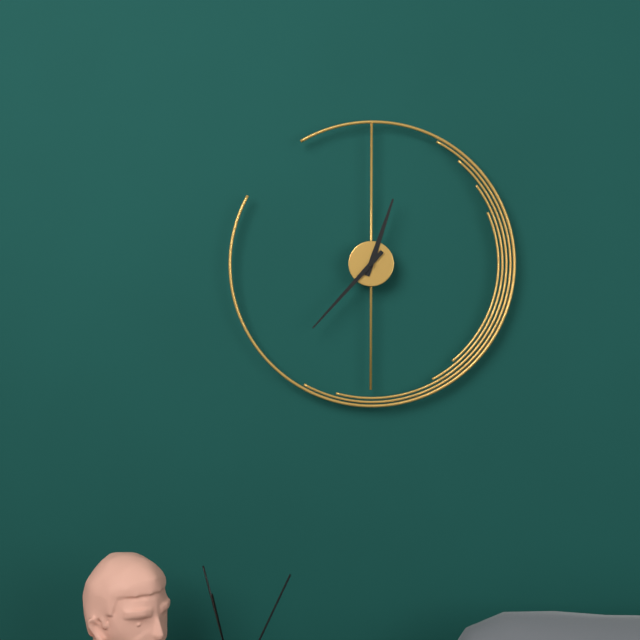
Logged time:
12h37
